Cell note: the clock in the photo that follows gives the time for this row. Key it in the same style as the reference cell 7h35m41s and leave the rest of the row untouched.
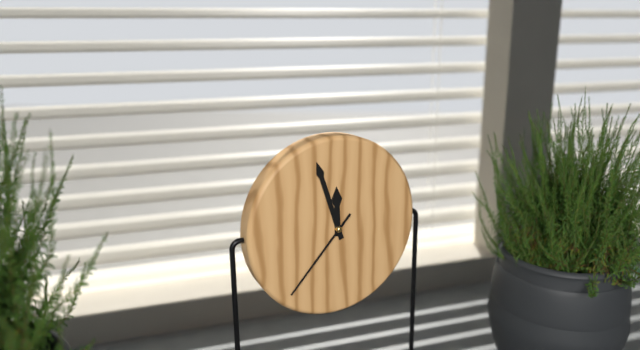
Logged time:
11h57m37s
